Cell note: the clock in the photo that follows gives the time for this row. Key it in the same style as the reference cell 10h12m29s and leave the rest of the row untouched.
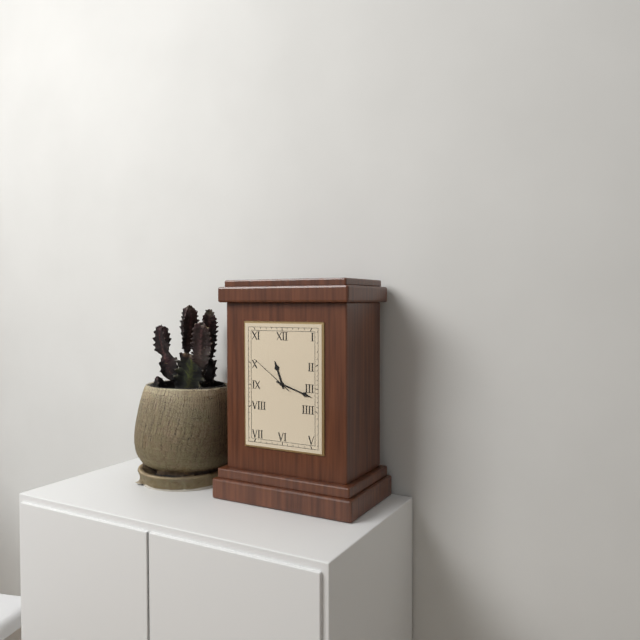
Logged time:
11h18m51s
